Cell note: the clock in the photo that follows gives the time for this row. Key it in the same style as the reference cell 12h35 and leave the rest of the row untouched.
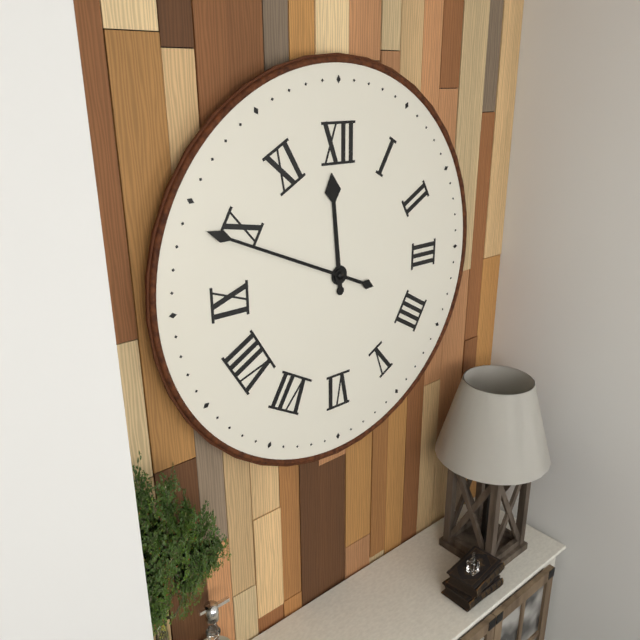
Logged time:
11h49
